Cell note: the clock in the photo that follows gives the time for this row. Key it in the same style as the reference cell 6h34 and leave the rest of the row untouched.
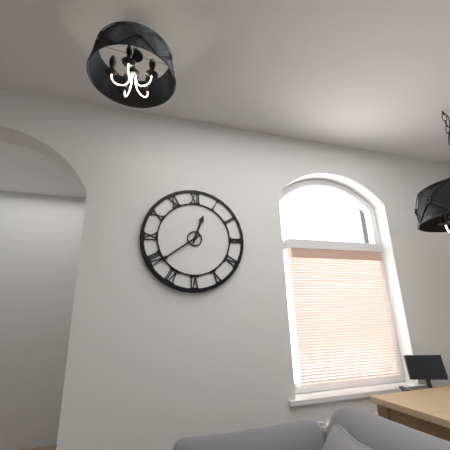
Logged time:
12h39
